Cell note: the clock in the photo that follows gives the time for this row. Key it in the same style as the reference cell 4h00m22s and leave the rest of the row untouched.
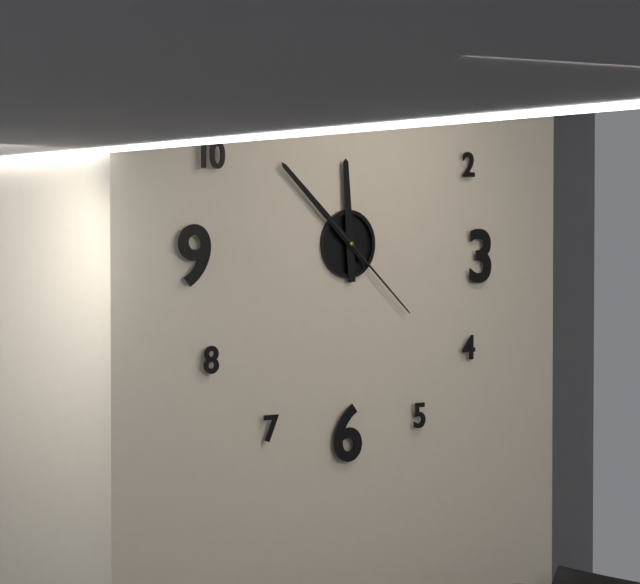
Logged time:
11h52m22s
